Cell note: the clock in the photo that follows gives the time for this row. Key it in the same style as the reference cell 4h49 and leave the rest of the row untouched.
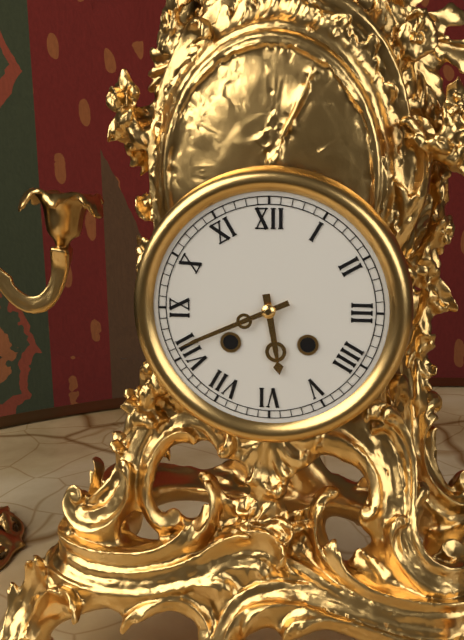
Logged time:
5h41
